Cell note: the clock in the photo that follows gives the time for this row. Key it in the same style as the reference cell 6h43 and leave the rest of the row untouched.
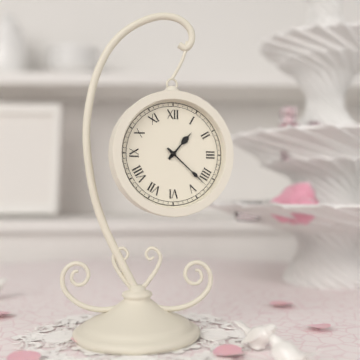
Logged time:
1h22
